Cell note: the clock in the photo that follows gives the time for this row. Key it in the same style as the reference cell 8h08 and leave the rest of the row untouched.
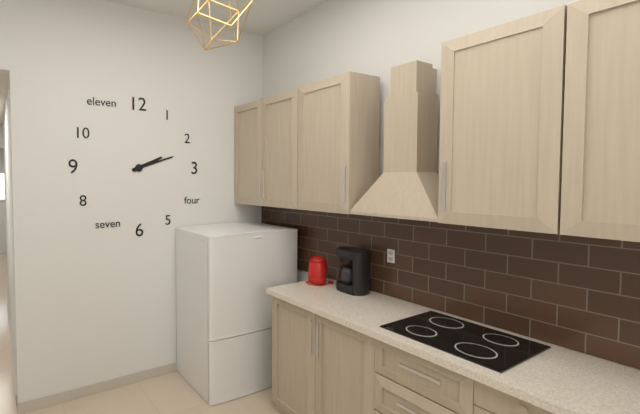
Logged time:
2h12
